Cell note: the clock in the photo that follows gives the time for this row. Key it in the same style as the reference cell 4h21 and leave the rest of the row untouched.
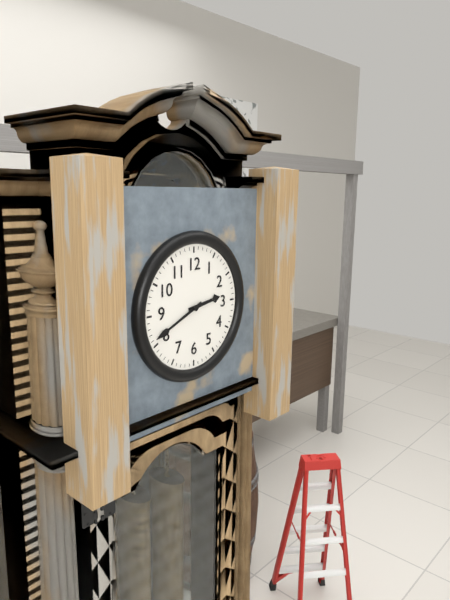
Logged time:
2h41
